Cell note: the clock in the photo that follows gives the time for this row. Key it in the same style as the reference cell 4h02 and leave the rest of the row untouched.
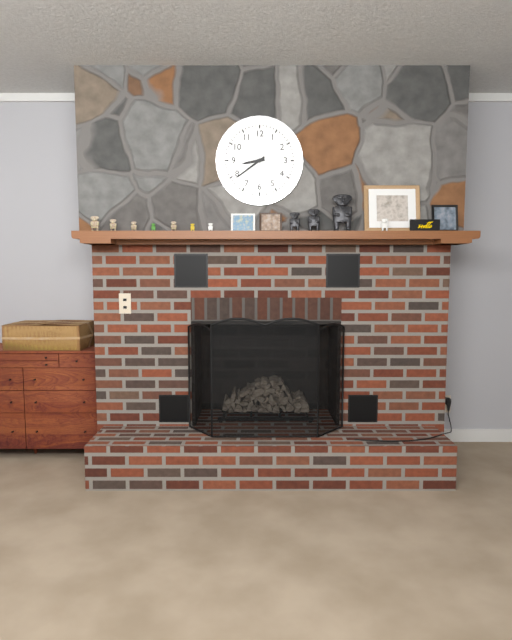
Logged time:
8h39
